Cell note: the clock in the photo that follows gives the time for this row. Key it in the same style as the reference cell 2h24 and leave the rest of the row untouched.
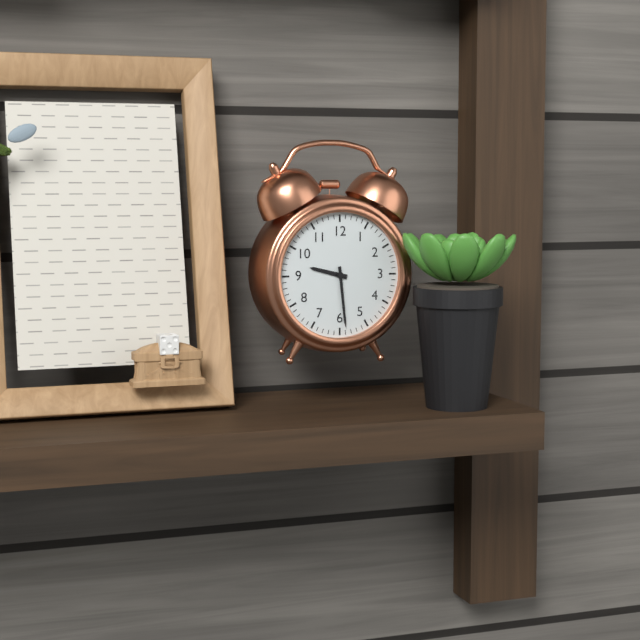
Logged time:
9h29
